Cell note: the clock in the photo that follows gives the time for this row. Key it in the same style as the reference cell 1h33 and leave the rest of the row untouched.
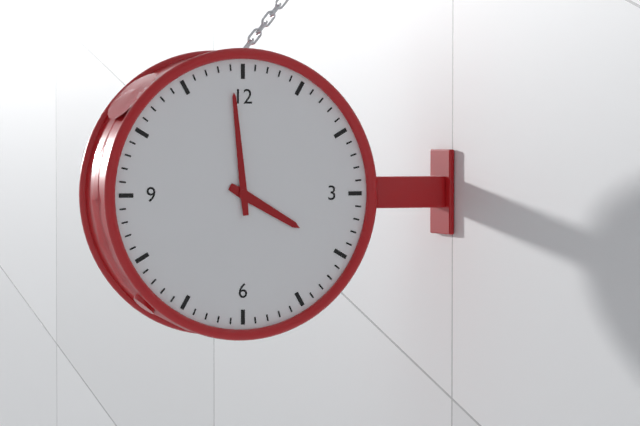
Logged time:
3h59
